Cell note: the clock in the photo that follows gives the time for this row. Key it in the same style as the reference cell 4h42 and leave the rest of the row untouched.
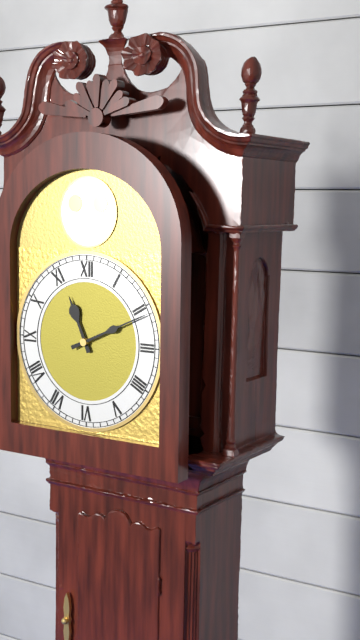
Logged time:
11h11
